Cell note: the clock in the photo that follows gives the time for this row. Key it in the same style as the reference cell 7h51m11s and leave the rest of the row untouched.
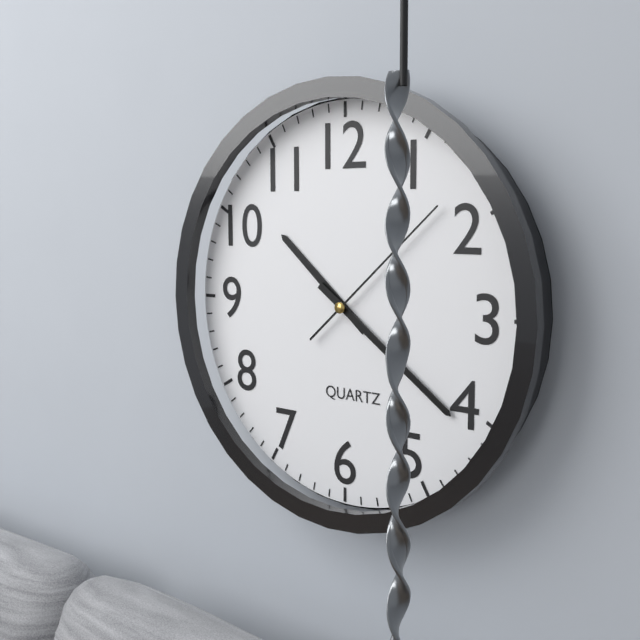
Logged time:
10h21m08s
